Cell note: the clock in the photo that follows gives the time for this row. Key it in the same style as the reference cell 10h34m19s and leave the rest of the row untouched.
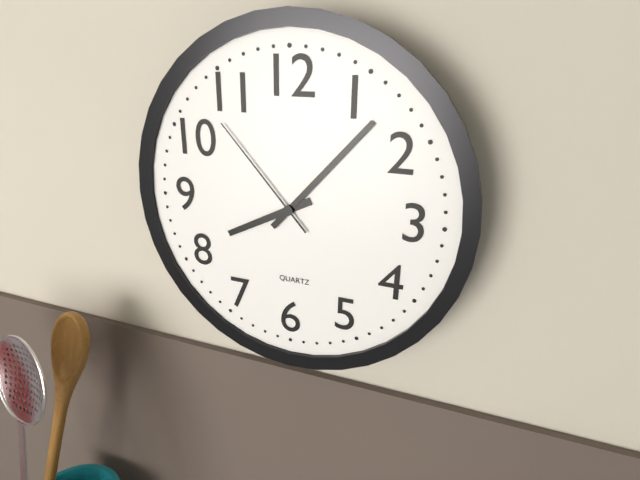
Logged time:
8h07m53s
